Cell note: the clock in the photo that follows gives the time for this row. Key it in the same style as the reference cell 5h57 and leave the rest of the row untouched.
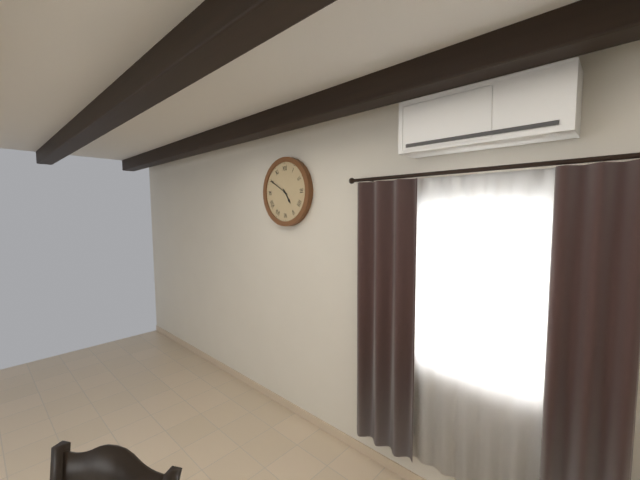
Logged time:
4h50
